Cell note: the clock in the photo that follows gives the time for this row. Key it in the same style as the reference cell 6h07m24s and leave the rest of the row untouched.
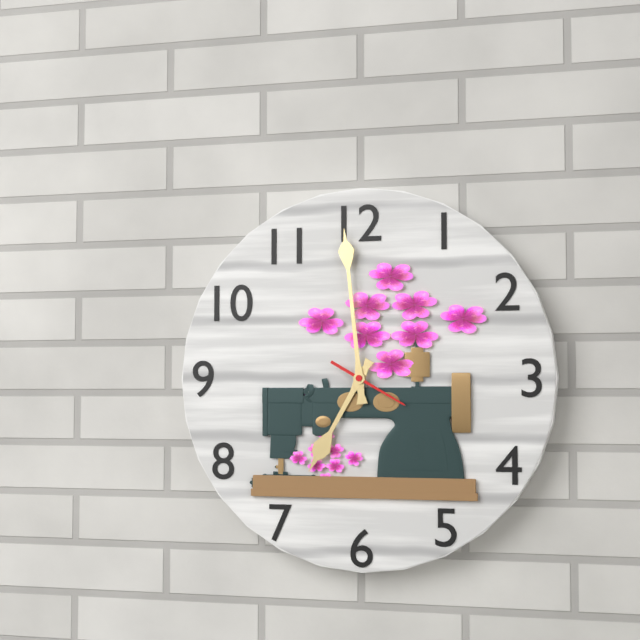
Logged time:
6h59m20s
